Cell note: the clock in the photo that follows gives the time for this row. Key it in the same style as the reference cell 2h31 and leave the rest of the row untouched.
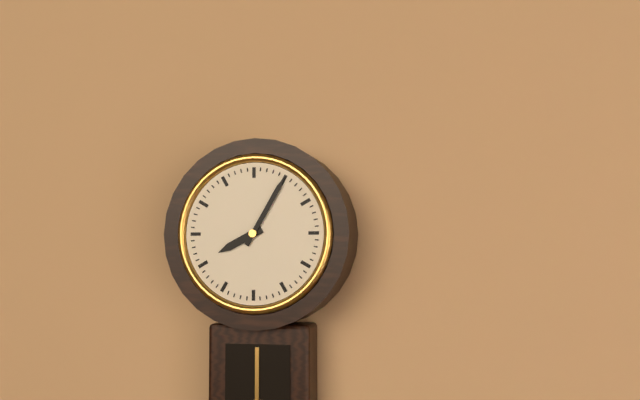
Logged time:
8h05
